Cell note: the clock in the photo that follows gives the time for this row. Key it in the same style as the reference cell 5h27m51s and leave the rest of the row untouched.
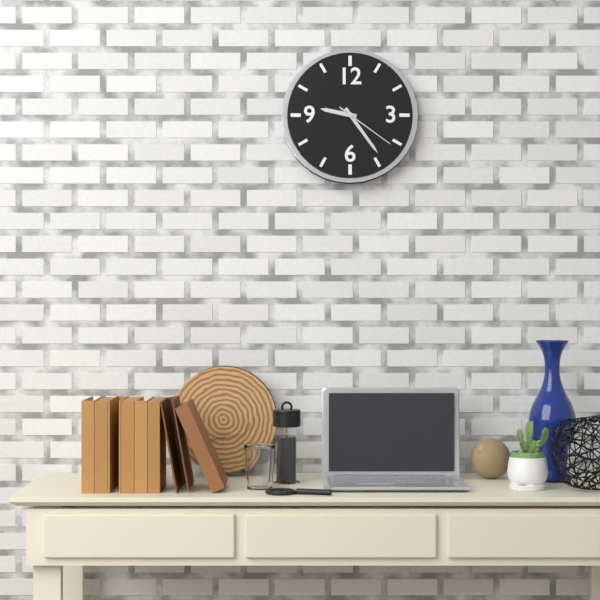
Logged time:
9h24m21s
